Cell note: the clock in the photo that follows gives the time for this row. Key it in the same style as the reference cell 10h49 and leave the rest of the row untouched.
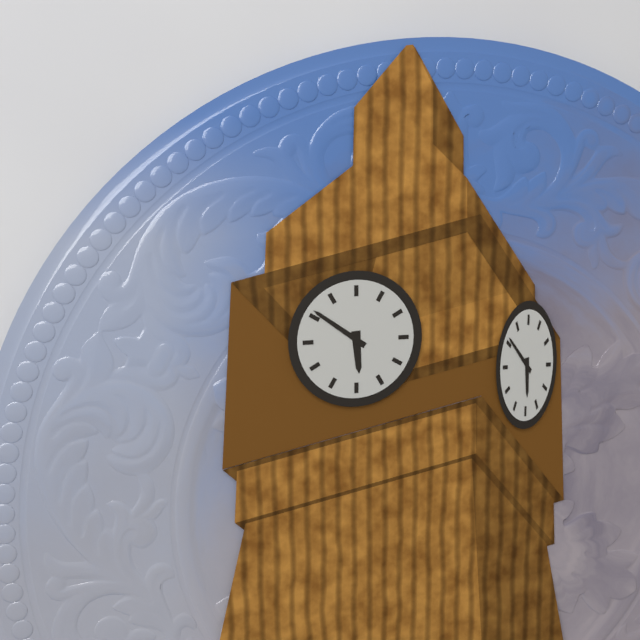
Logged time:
5h51
